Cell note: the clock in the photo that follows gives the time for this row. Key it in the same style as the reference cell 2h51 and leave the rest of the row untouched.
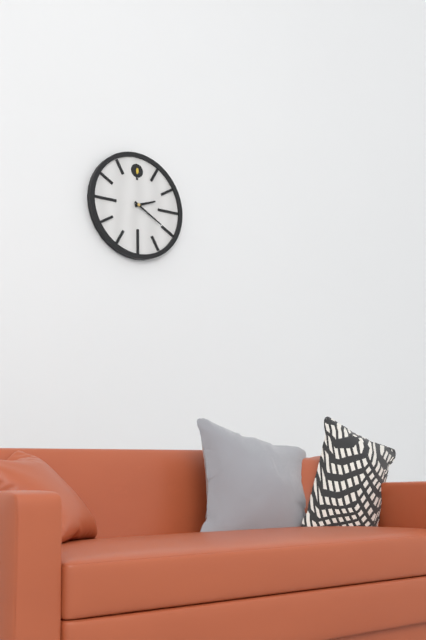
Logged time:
2h20
